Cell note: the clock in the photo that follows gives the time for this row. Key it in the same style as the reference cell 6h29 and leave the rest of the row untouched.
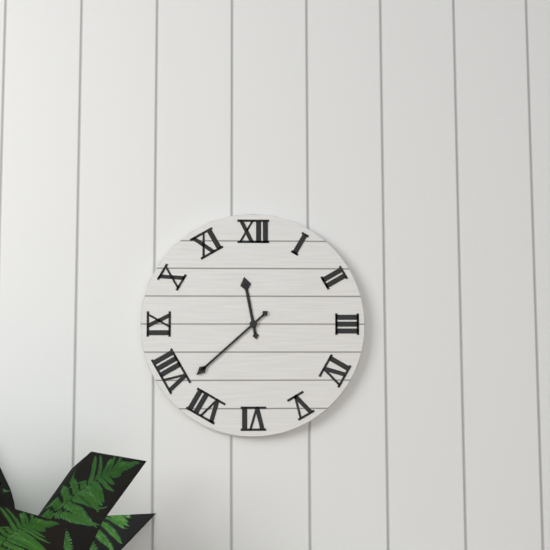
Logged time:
11h38
